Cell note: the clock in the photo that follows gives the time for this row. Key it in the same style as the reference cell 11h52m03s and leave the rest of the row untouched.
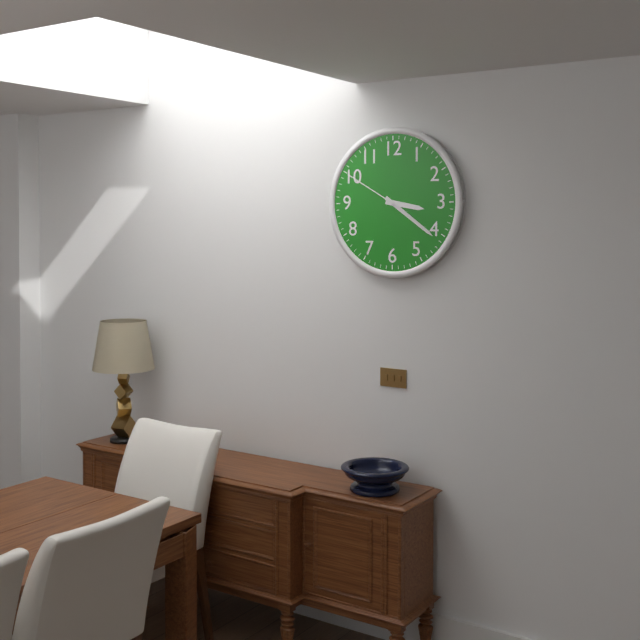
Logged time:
3h21m50s
